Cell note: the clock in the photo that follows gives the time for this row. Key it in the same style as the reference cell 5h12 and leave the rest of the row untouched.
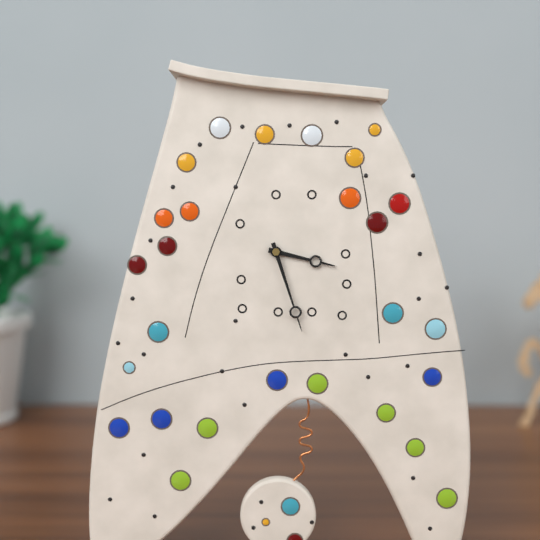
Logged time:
3h27
